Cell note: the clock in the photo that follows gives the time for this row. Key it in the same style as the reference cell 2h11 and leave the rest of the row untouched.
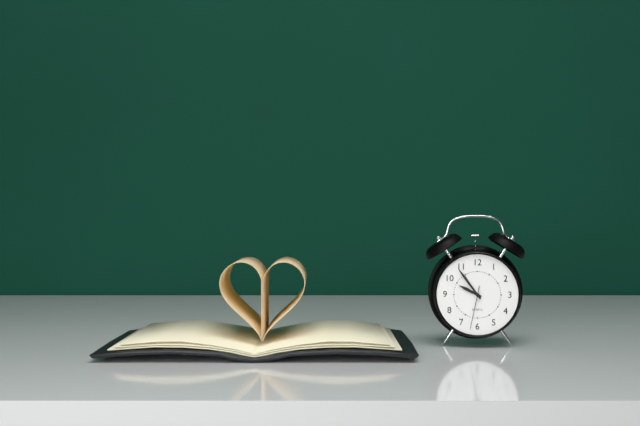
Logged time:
9h54
